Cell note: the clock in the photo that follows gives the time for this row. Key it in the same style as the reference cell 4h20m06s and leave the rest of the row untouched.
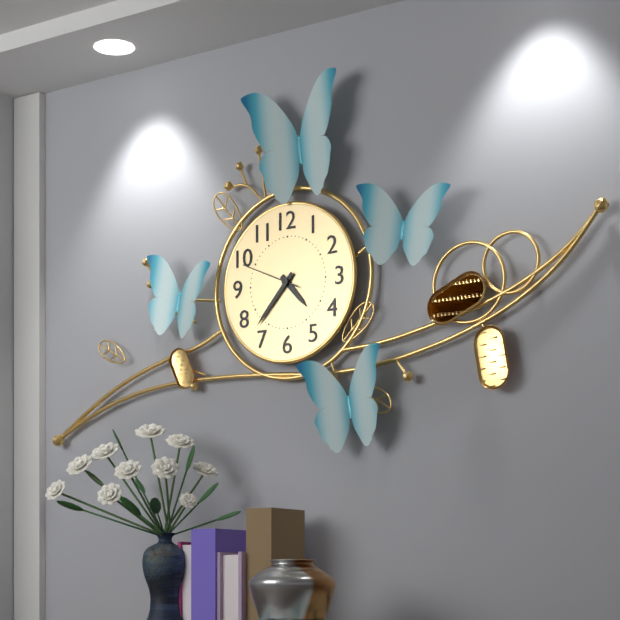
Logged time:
4h37m49s
